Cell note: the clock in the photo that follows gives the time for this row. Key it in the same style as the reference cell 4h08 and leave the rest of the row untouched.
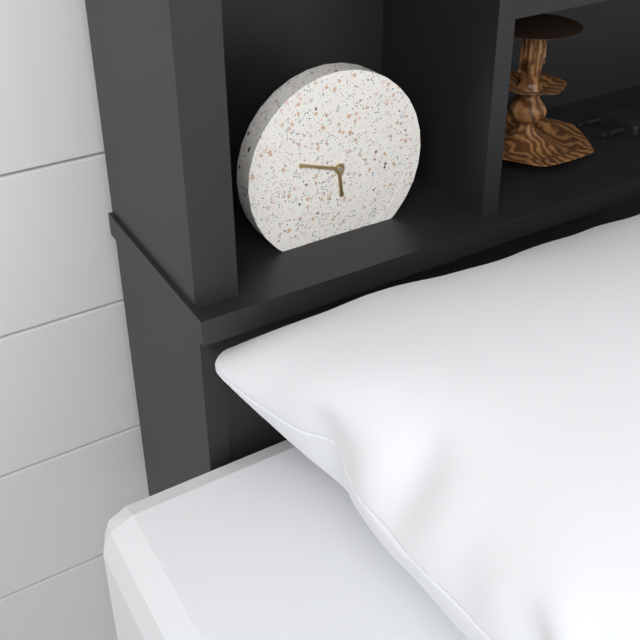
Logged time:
5h48
